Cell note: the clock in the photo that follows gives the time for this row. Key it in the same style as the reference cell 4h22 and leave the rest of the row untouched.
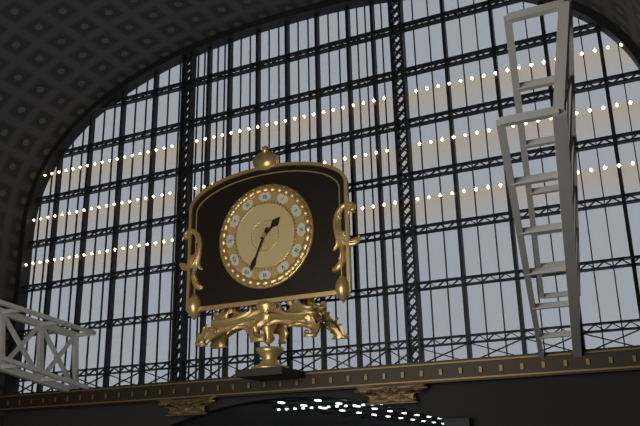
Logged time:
1h34
